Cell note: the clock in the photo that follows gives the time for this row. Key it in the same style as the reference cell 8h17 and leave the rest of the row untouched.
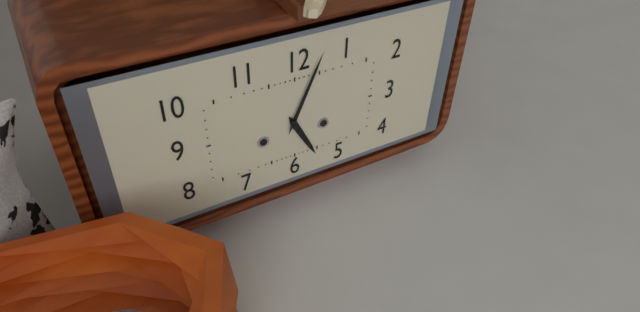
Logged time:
5h04
